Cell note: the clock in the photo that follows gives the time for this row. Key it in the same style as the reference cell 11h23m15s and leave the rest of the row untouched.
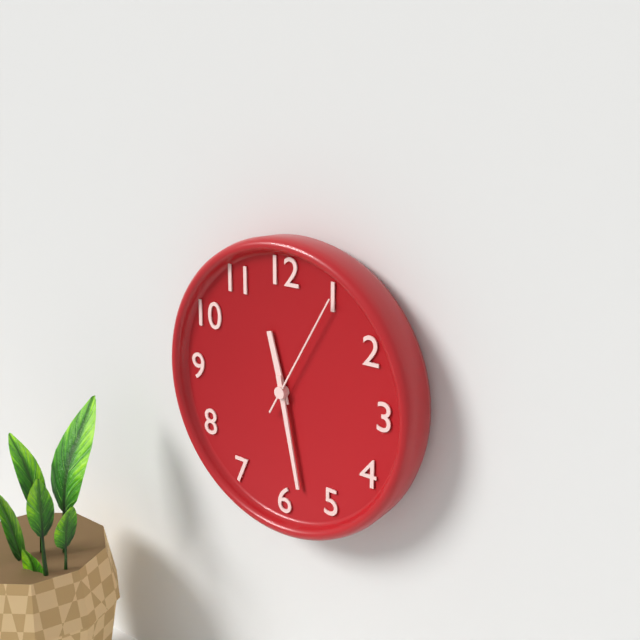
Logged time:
11h28m05s
